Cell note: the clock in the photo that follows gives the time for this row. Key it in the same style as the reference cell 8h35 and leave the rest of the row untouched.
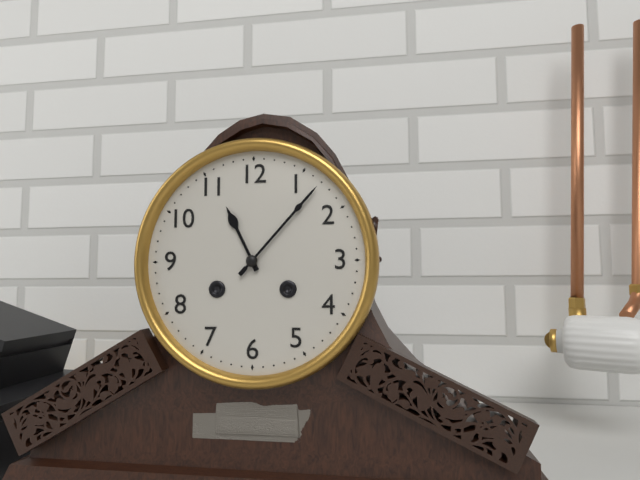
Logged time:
11h07
